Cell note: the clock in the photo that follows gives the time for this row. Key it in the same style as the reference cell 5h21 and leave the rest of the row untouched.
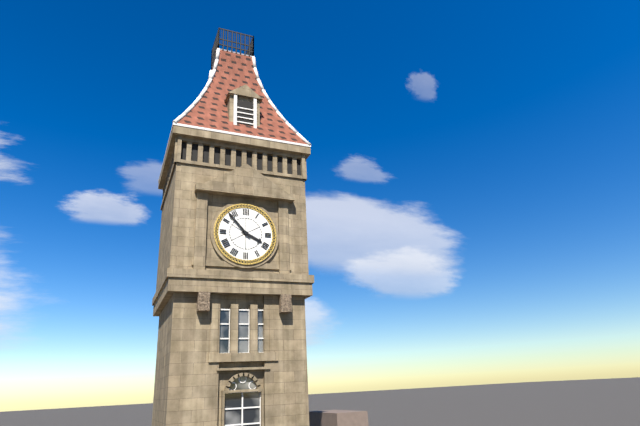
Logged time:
3h53
